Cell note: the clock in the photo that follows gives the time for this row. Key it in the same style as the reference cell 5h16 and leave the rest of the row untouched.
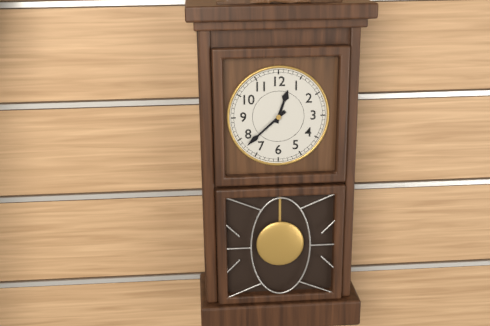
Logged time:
12h38
